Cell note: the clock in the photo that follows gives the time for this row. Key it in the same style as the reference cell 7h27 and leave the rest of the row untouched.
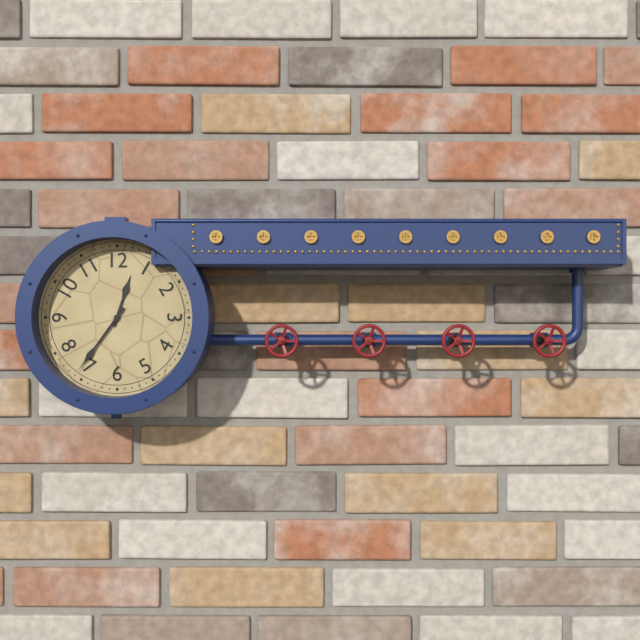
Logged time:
12h36
